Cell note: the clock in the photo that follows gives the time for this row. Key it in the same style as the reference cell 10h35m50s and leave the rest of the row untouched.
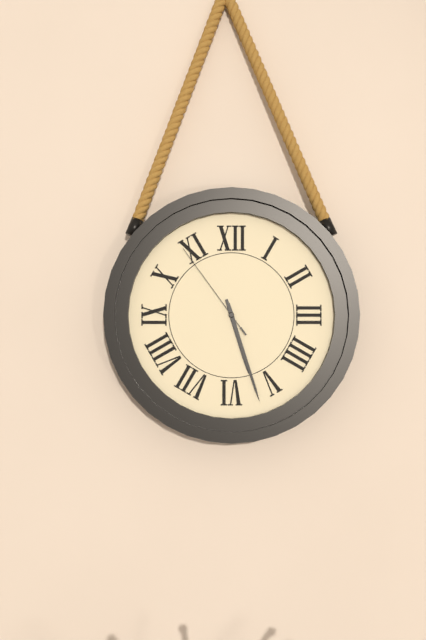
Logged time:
5h27m54s
